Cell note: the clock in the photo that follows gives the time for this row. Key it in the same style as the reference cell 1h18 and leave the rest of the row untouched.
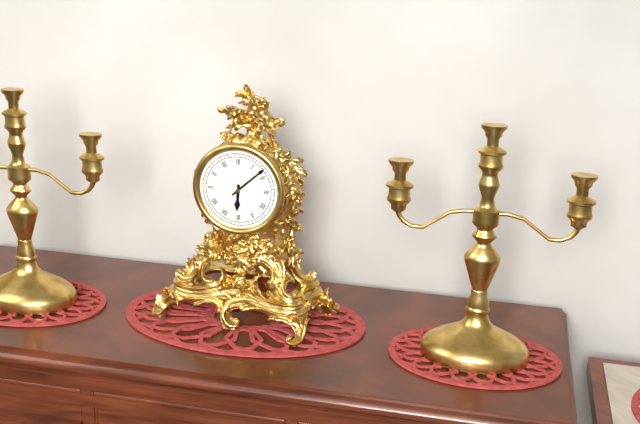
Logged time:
6h08
